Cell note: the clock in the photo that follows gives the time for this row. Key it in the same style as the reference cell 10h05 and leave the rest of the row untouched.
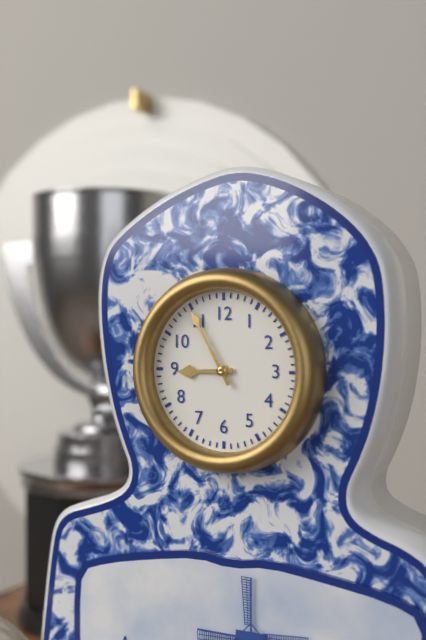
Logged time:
8h55
